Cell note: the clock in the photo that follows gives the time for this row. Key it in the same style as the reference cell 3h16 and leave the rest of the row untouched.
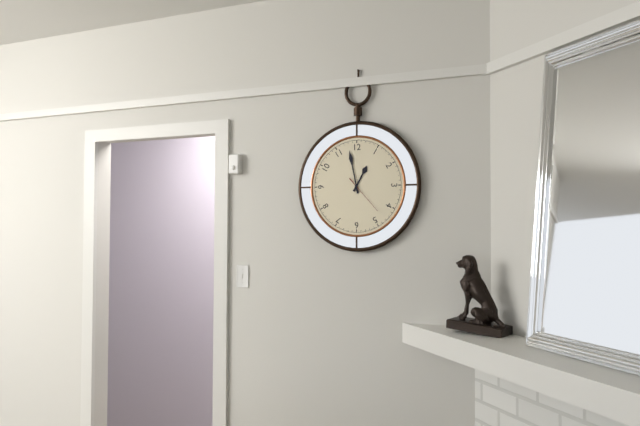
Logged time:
12h58
